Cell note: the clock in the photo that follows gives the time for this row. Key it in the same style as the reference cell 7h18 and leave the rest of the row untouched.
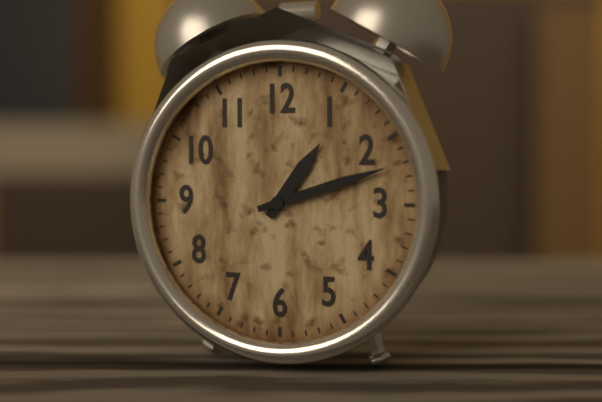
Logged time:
1h12
